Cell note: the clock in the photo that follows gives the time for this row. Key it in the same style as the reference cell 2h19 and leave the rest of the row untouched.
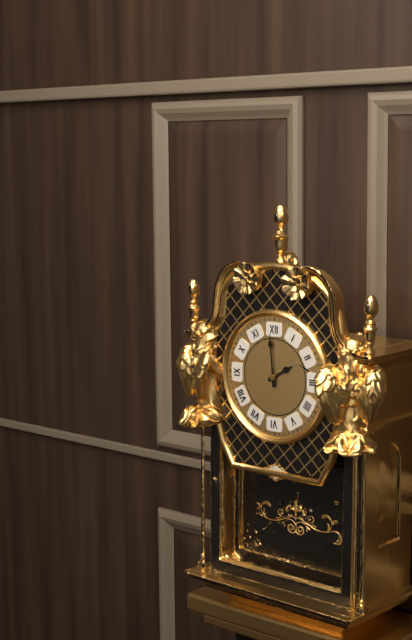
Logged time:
1h59
